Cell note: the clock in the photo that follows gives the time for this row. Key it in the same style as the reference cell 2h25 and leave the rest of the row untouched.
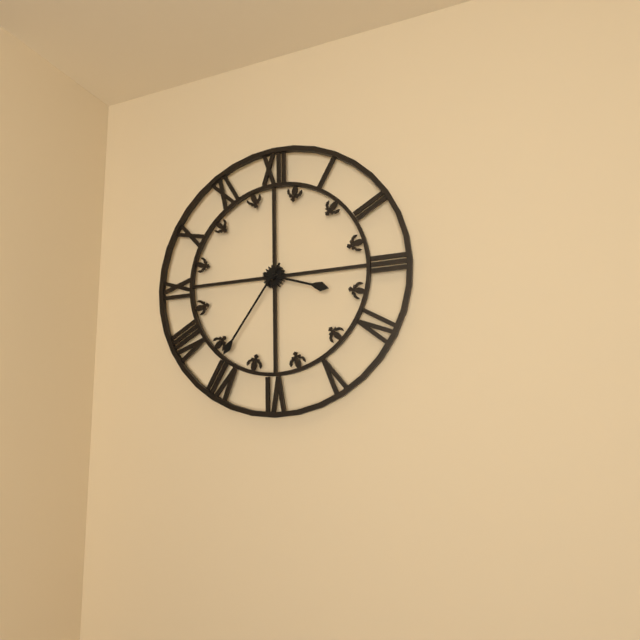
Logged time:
3h36
